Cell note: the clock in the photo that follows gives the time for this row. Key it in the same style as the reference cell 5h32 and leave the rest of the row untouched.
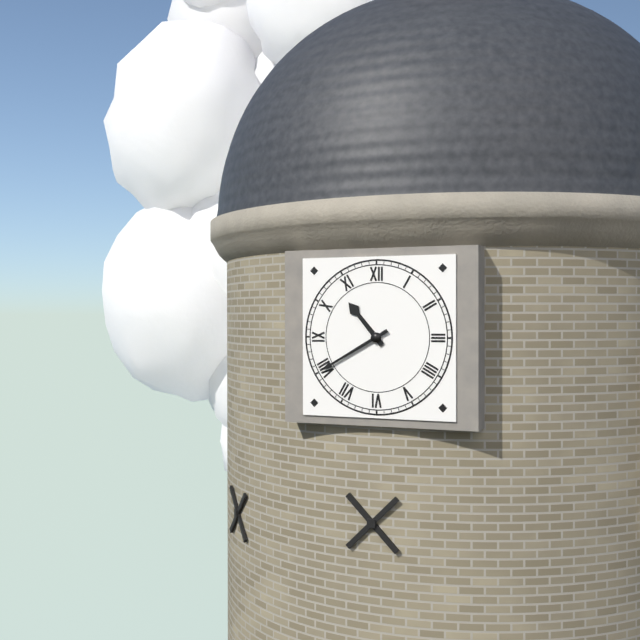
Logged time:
10h40
